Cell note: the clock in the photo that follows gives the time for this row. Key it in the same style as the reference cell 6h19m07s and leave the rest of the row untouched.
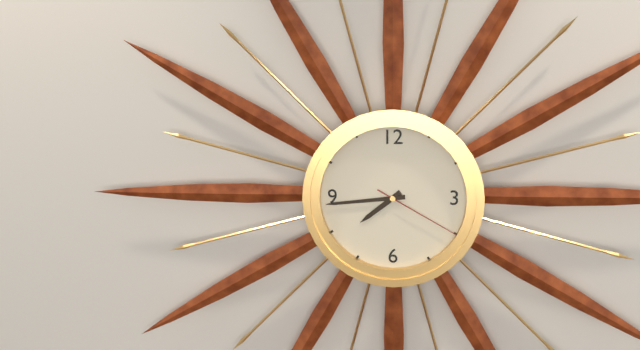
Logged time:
7h44m20s
